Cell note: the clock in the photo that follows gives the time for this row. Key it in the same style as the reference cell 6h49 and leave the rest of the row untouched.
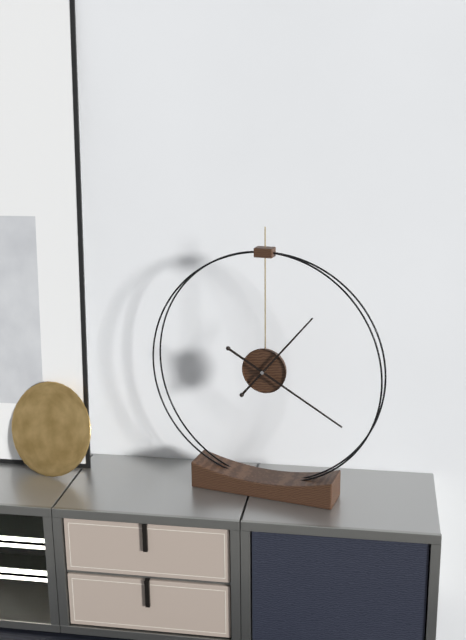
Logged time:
1h20
